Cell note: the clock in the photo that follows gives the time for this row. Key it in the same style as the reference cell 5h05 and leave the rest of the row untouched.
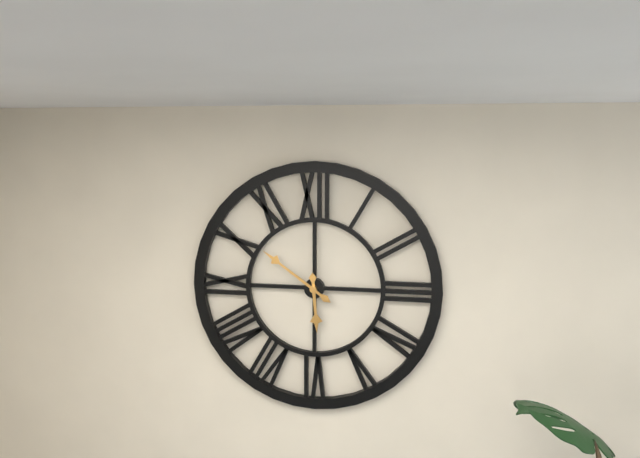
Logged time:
5h51
